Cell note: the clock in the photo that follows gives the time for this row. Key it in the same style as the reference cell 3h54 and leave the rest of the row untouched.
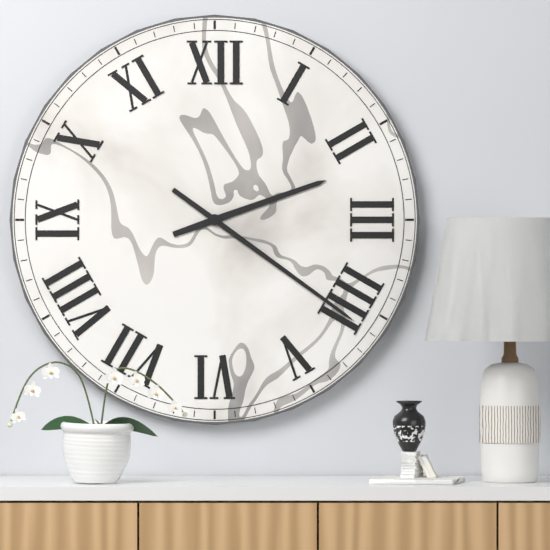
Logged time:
2h21
